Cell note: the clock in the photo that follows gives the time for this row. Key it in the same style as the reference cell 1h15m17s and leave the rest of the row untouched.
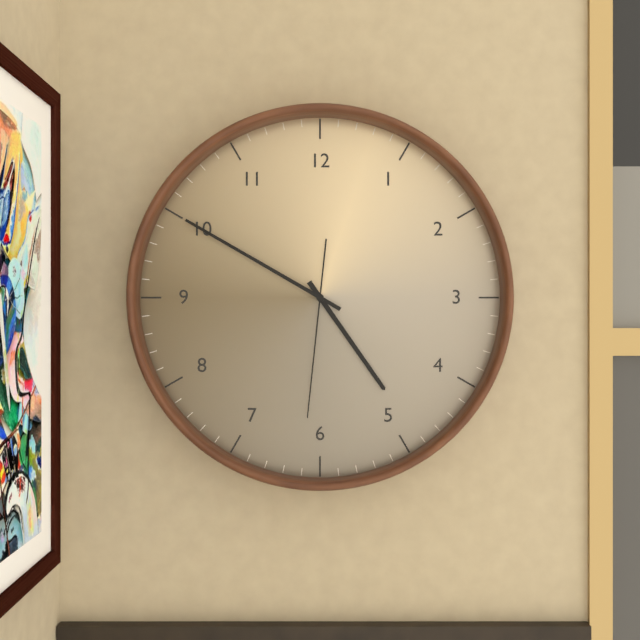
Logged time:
4h50m31s
